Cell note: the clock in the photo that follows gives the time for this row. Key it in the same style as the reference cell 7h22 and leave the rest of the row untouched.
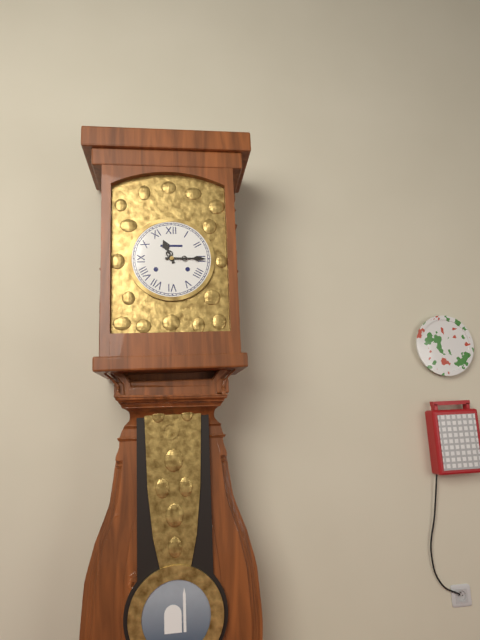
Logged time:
11h15
